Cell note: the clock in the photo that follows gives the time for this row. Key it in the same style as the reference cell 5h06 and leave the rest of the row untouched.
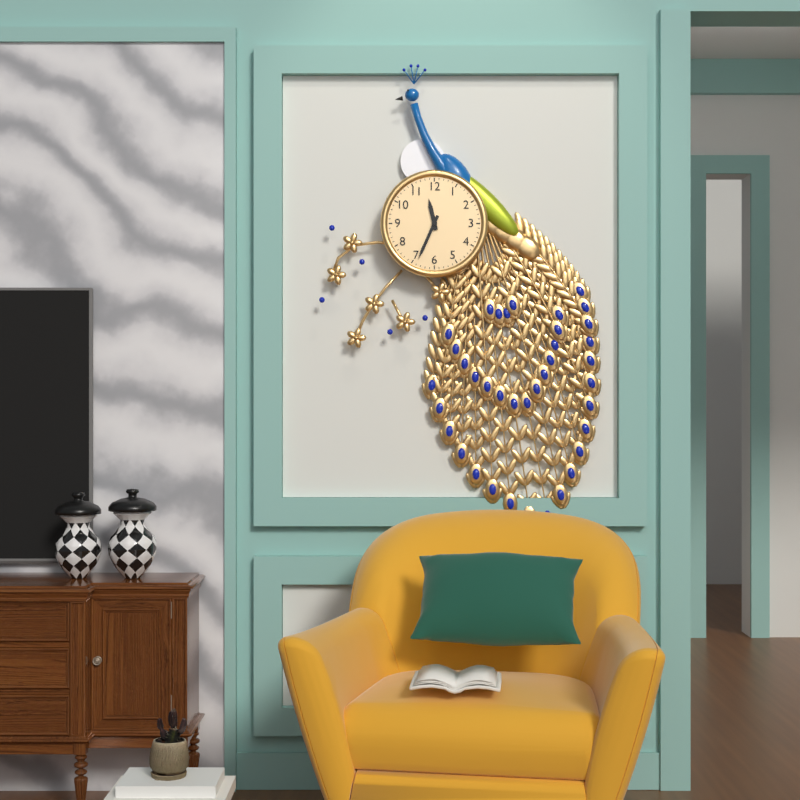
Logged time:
11h34
